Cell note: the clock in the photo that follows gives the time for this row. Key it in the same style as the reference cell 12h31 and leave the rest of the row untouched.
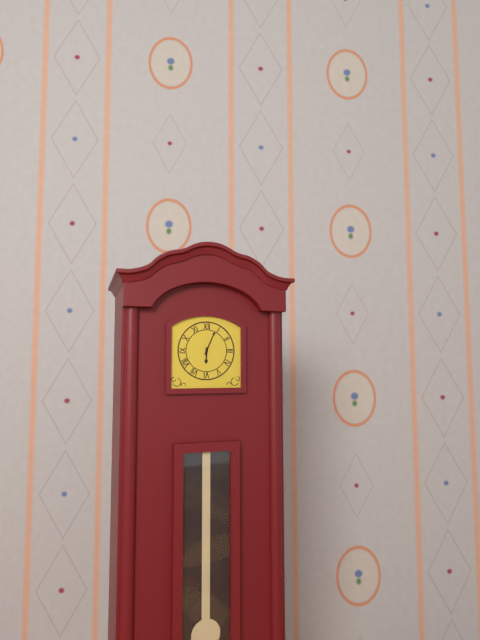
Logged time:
6h04
